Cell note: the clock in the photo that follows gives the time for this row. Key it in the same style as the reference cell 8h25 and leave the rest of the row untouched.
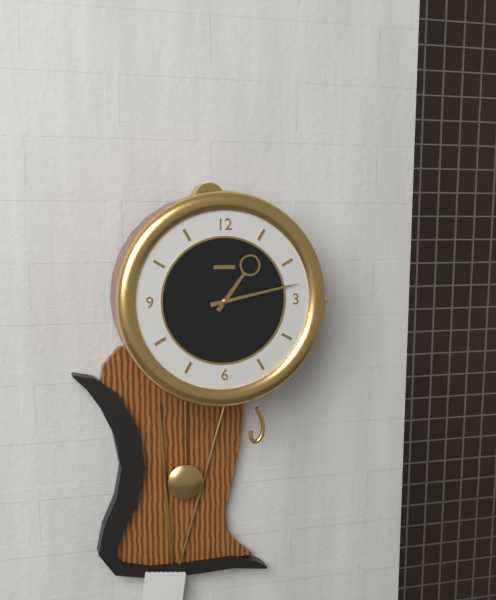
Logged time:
1h13
